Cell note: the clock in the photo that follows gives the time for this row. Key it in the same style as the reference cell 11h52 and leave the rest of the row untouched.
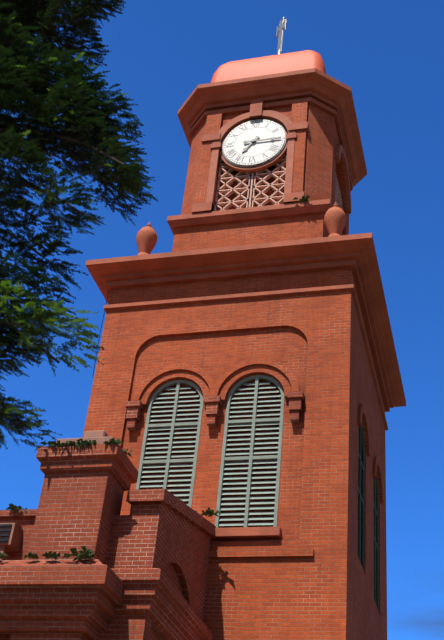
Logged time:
7h15
